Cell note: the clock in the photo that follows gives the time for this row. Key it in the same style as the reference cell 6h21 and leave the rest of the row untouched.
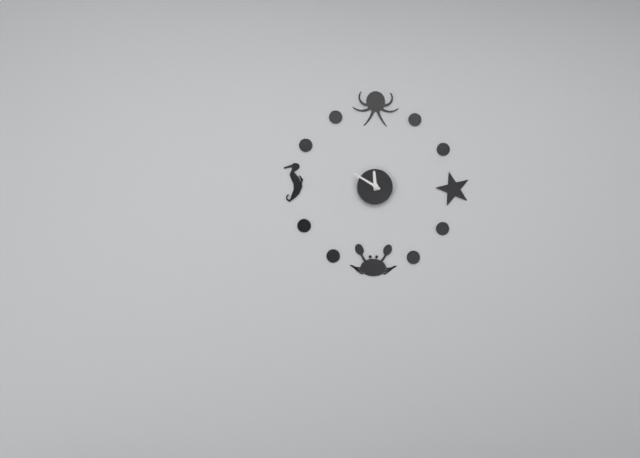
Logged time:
11h50
